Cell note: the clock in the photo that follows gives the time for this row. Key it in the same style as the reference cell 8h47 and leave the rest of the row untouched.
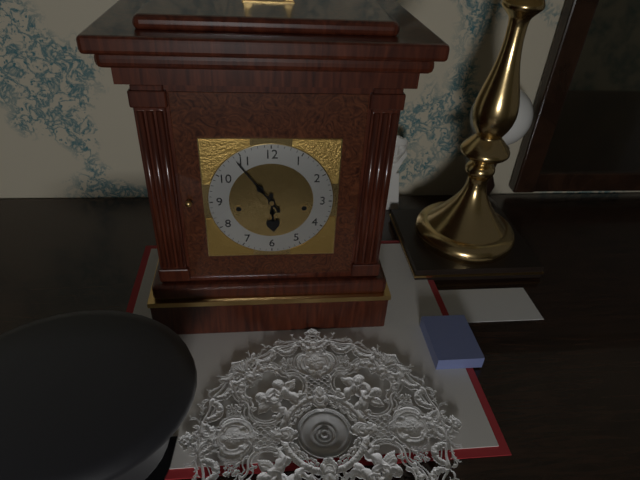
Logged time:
5h54
